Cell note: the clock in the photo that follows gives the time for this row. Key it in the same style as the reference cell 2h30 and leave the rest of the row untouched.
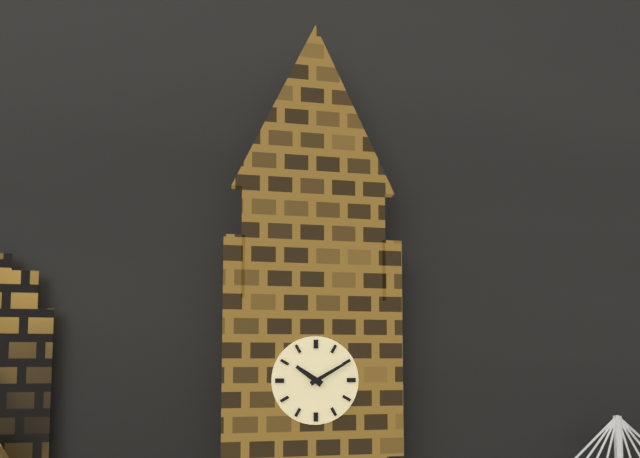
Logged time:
10h10
